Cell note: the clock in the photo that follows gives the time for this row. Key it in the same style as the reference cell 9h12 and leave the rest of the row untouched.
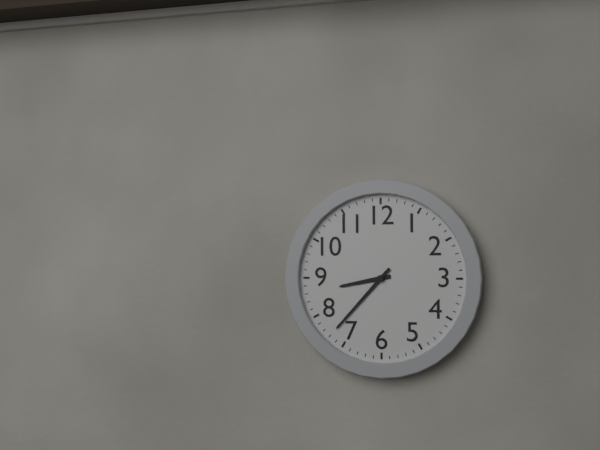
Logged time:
8h37
